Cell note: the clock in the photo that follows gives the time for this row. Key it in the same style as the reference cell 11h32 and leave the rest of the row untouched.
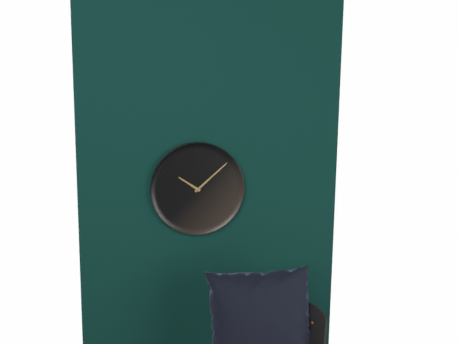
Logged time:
10h08
